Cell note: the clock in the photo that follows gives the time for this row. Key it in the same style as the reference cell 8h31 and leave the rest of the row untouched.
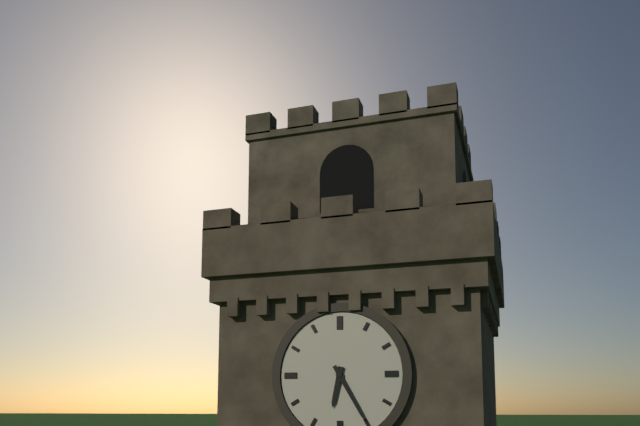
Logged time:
6h25
